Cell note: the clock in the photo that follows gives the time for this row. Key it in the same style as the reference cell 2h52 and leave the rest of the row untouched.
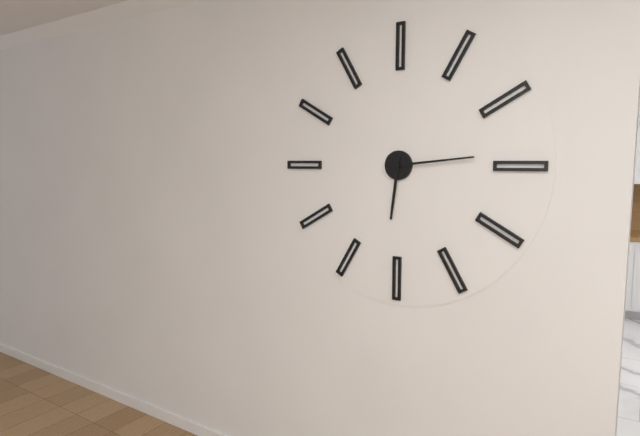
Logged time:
6h14
